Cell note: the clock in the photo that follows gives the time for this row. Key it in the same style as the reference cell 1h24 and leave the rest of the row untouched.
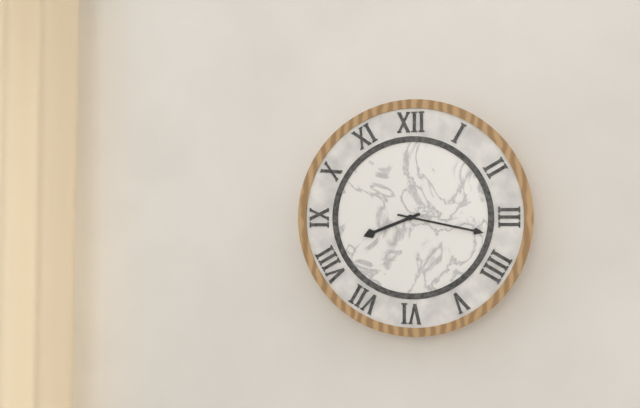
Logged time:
8h17
